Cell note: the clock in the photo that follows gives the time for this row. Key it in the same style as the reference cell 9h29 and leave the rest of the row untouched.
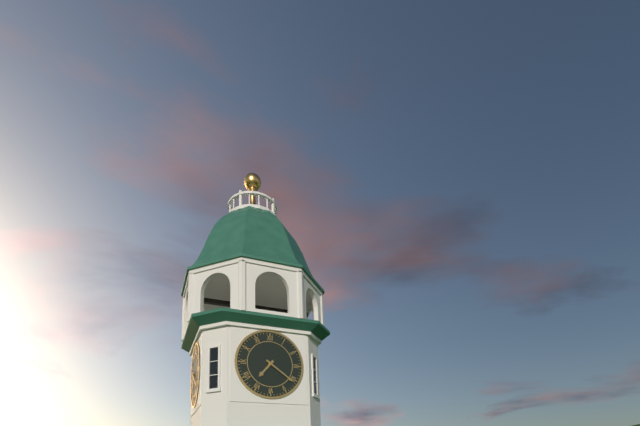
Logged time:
7h21
